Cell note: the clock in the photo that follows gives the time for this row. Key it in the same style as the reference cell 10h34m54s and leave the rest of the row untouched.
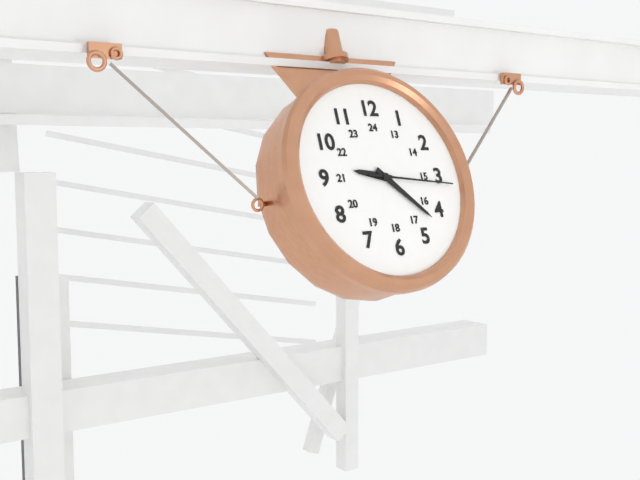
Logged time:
9h22m16s
